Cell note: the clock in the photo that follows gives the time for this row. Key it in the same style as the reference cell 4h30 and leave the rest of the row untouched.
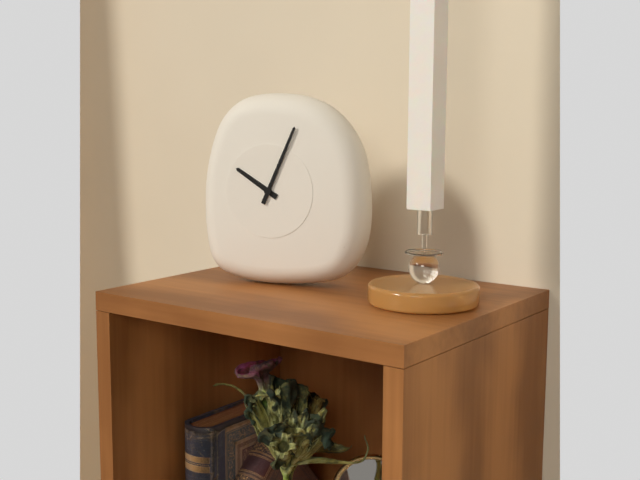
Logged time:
10h04
